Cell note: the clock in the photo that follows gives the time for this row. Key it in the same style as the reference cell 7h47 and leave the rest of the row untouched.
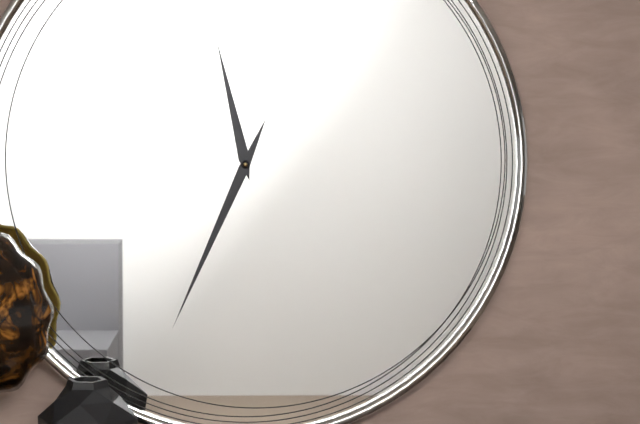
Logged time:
11h34
